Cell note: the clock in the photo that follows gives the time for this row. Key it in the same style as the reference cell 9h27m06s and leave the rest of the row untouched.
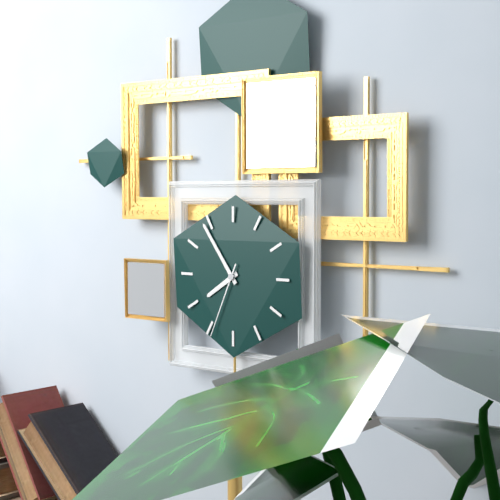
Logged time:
7h54m34s
